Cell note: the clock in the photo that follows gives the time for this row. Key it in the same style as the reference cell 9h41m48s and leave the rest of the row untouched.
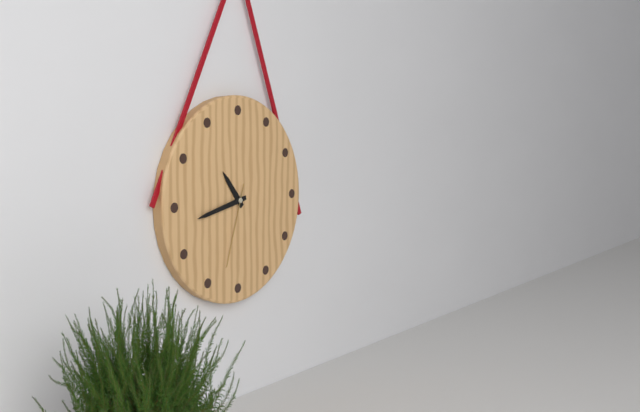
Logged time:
10h43m33s
